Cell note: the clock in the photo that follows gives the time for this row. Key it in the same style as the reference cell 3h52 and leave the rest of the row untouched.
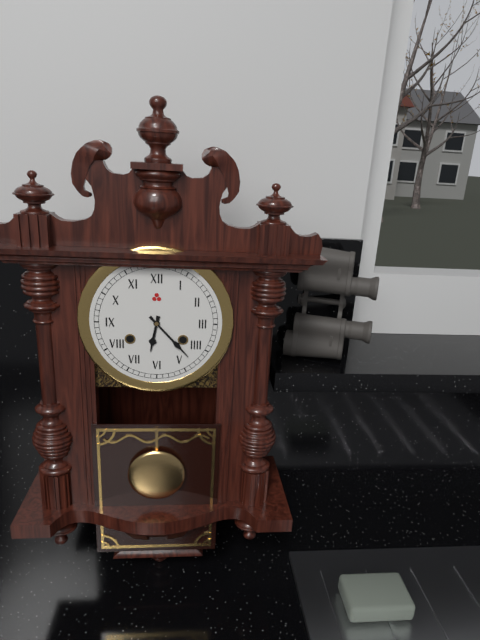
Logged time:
6h23
